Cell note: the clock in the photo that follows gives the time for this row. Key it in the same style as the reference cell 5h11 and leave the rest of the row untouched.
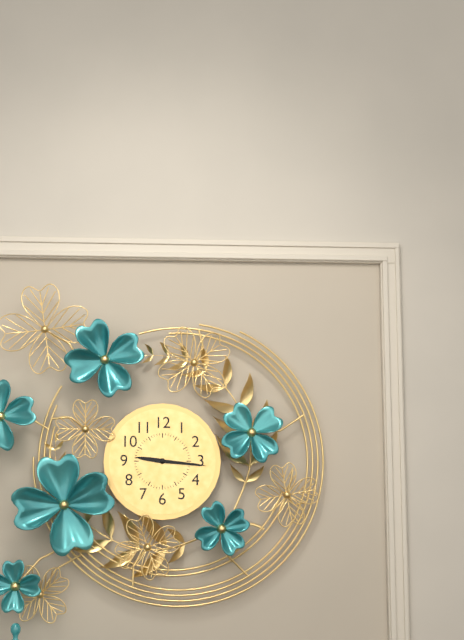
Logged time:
9h16
